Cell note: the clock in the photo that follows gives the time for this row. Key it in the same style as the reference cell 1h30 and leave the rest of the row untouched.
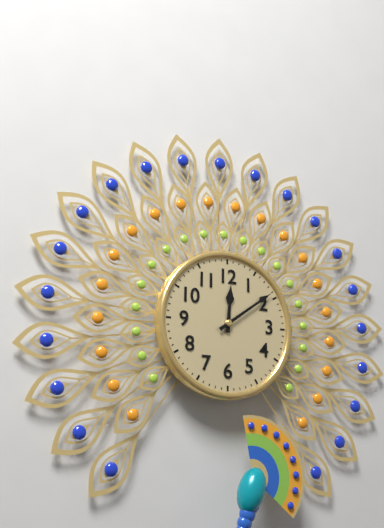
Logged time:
12h09
